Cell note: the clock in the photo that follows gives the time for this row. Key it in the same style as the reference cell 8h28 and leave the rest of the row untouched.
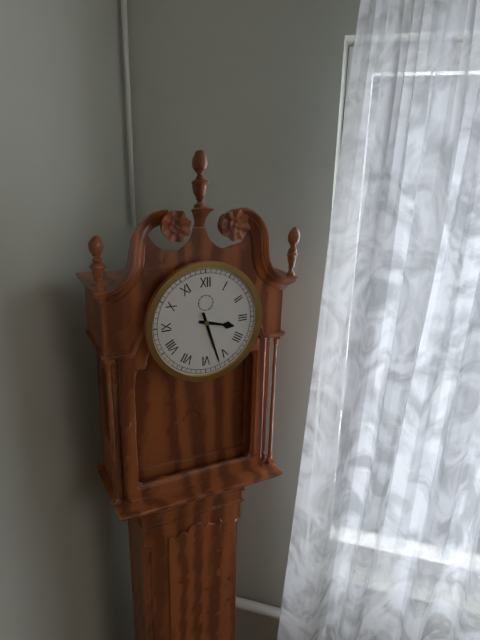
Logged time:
3h27
